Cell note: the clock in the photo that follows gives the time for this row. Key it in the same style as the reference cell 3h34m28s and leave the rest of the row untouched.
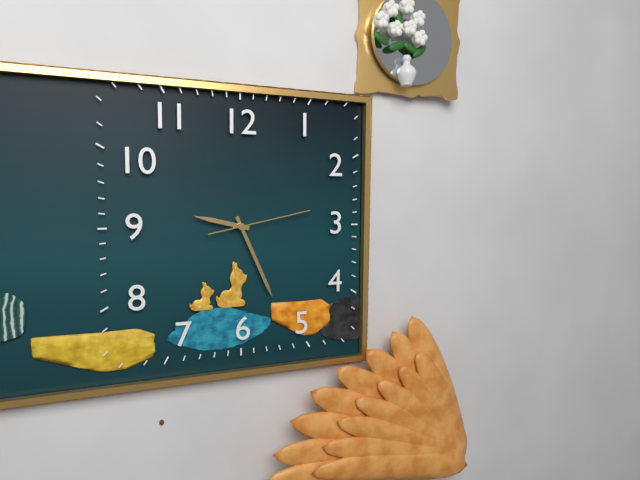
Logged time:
9h26m13s
